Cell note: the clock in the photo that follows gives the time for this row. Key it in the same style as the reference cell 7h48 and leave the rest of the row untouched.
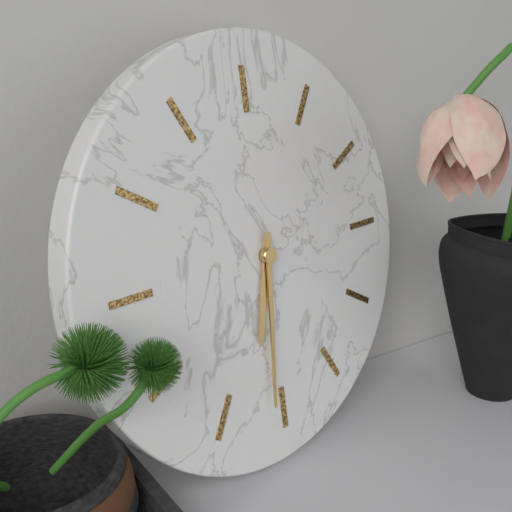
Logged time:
6h31
